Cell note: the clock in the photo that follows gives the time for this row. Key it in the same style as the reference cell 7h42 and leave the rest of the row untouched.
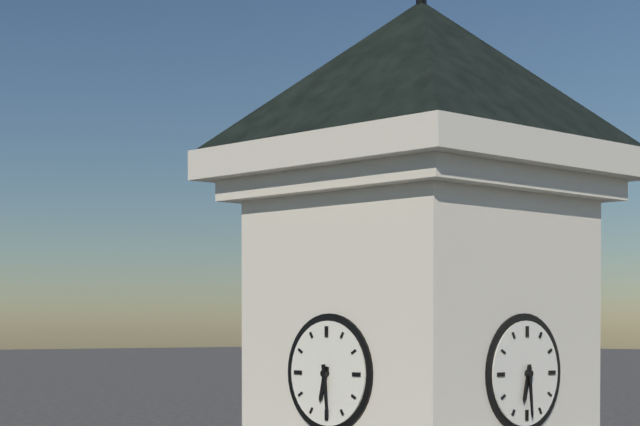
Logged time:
6h29
